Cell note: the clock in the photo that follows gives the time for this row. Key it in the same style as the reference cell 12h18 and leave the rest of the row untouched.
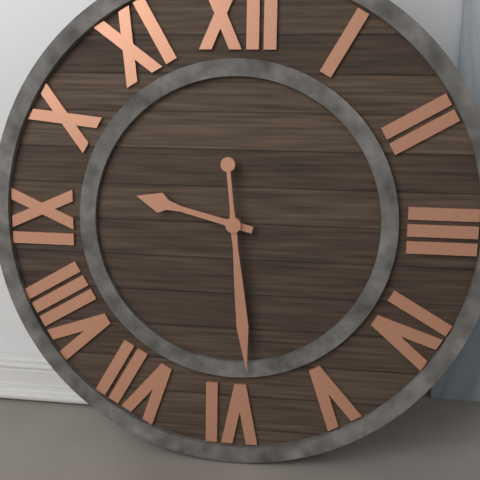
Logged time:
9h29
